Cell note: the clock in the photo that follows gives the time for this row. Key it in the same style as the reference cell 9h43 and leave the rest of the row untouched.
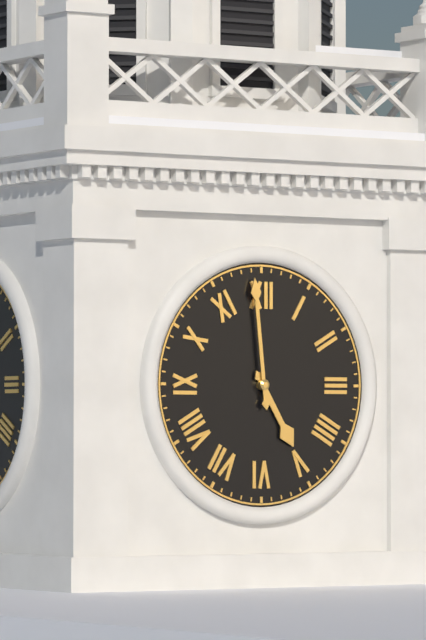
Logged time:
4h59
